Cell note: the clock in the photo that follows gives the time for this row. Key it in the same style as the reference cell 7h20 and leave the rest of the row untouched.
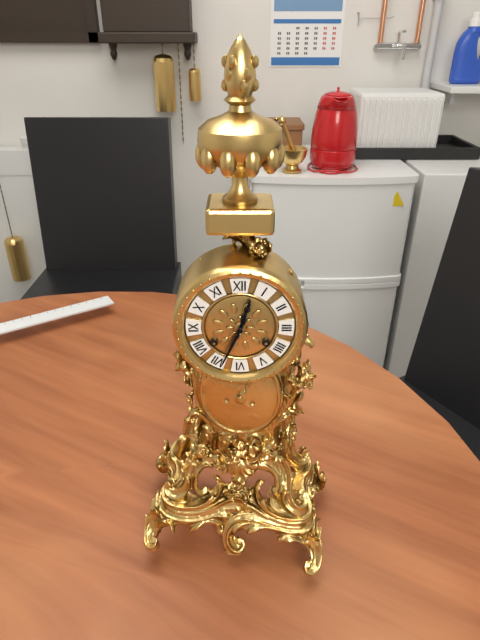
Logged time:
12h34
